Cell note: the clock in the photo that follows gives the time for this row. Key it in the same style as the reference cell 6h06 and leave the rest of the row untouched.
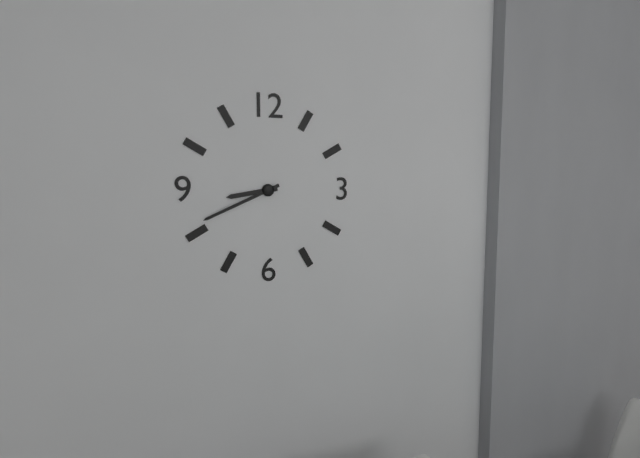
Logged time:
8h41
